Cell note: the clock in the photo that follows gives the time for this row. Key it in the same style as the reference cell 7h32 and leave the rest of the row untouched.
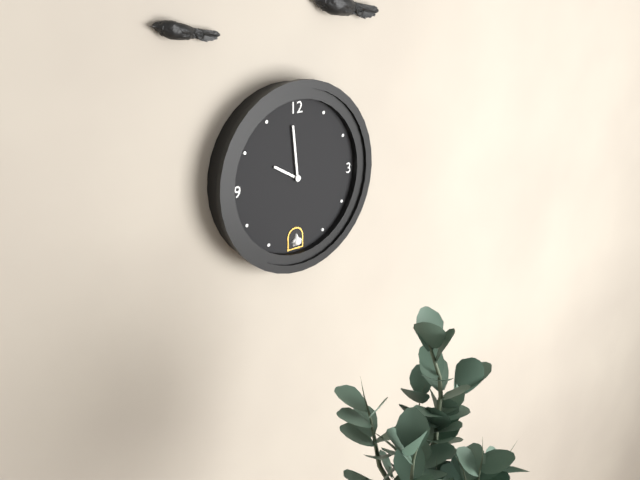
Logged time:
9h59
